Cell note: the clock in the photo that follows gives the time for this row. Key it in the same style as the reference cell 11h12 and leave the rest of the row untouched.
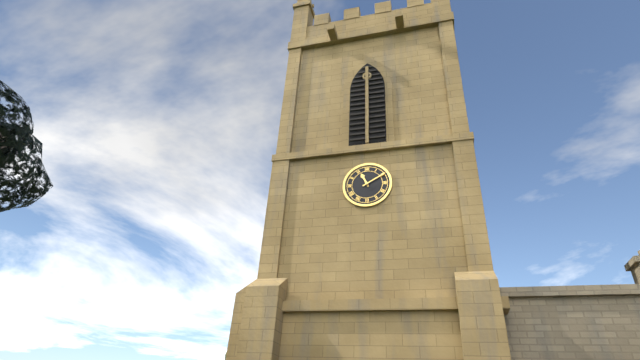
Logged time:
11h10
